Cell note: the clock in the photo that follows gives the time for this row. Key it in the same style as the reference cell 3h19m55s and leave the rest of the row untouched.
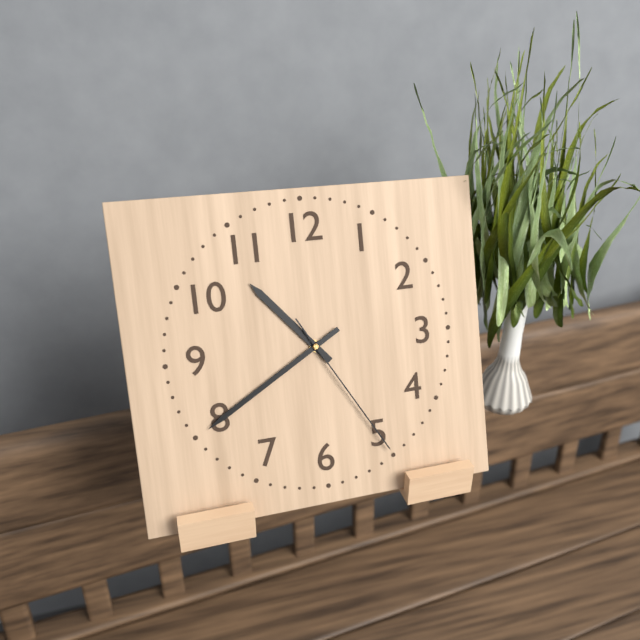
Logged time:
10h40m25s
